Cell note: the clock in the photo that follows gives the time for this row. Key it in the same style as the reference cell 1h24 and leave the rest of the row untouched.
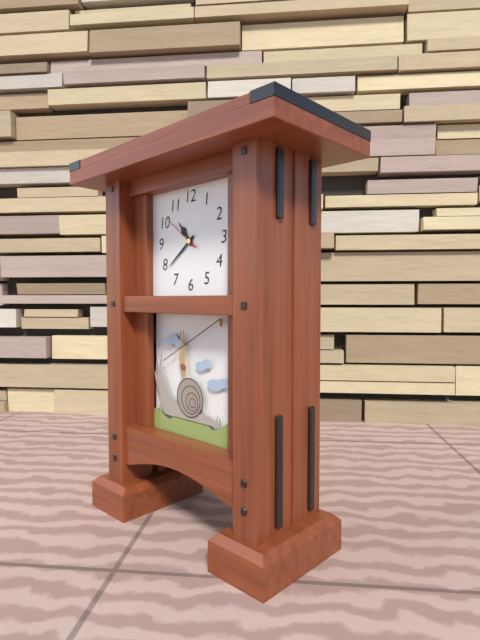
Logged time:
10h39
